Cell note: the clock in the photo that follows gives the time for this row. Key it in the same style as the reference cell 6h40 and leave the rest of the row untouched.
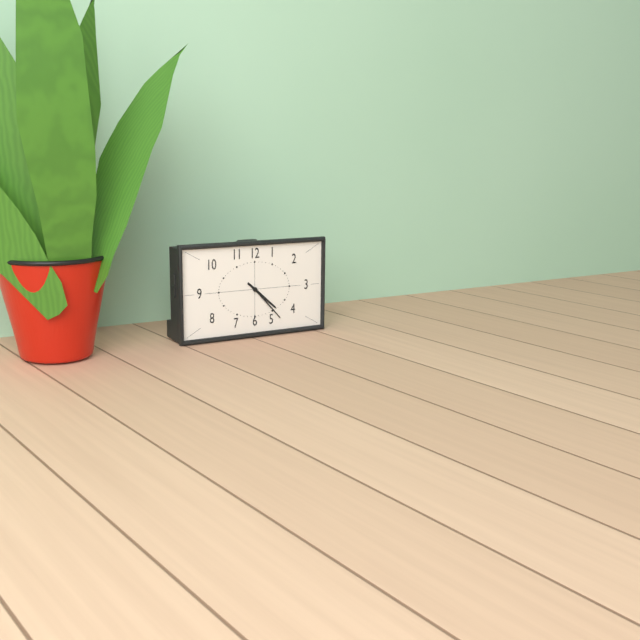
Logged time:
4h23
